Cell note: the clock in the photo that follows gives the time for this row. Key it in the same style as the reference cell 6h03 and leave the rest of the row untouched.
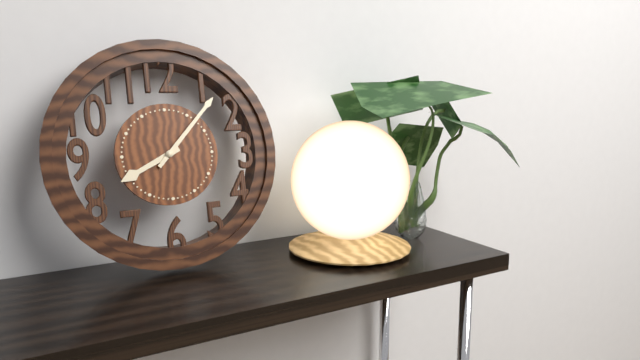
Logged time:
8h07
